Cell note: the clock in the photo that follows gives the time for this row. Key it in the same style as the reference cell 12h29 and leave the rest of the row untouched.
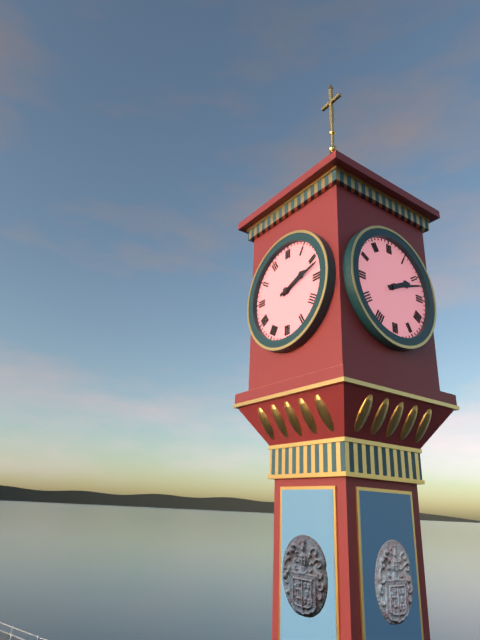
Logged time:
2h12
